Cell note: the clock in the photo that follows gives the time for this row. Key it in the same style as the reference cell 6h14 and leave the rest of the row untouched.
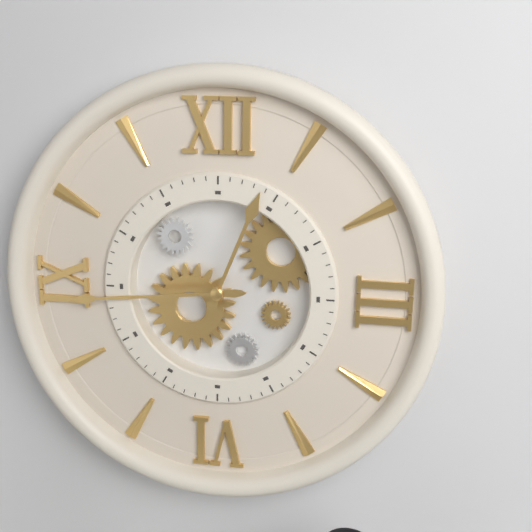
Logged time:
12h44
